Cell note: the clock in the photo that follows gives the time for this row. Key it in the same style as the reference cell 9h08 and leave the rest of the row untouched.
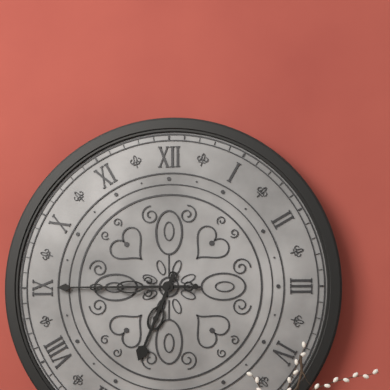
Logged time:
6h45
